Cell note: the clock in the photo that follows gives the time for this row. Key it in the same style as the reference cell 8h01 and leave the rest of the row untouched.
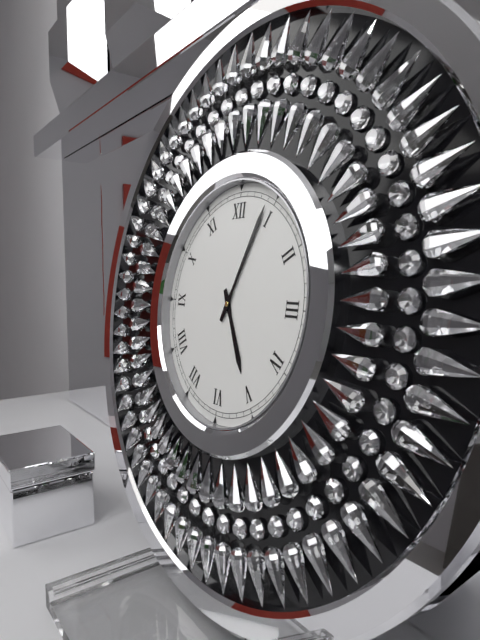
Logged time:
5h04
